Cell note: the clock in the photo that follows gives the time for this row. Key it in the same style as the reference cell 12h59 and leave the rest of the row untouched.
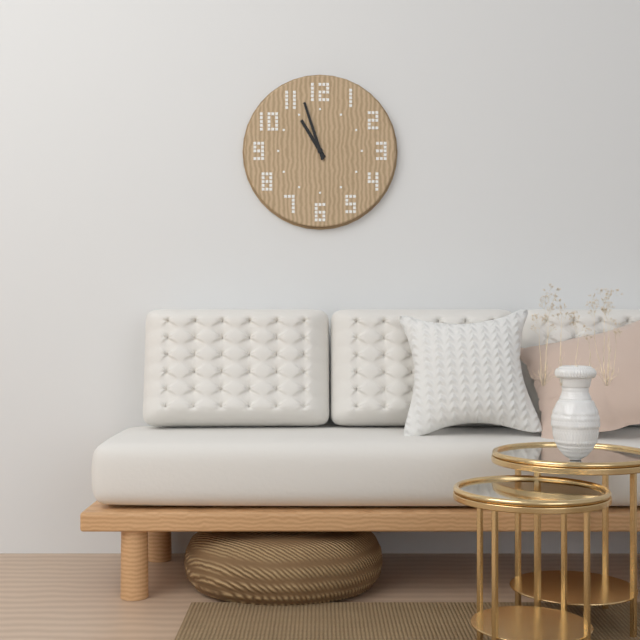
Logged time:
10h57
